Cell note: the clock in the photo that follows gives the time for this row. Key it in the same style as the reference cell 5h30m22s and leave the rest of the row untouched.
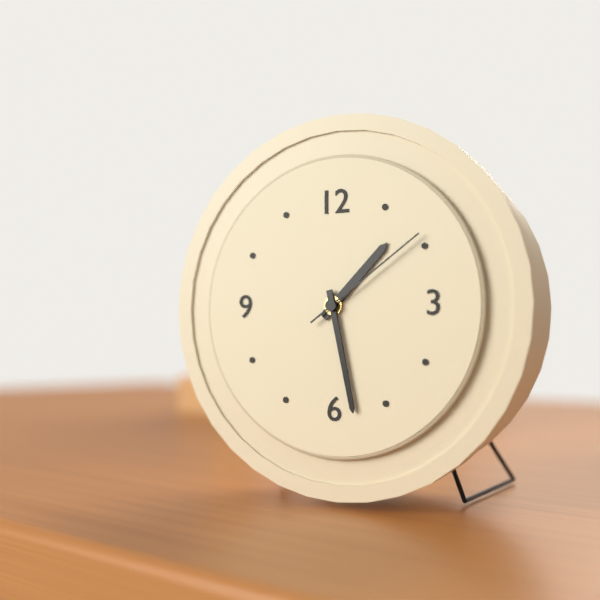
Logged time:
1h28m09s
